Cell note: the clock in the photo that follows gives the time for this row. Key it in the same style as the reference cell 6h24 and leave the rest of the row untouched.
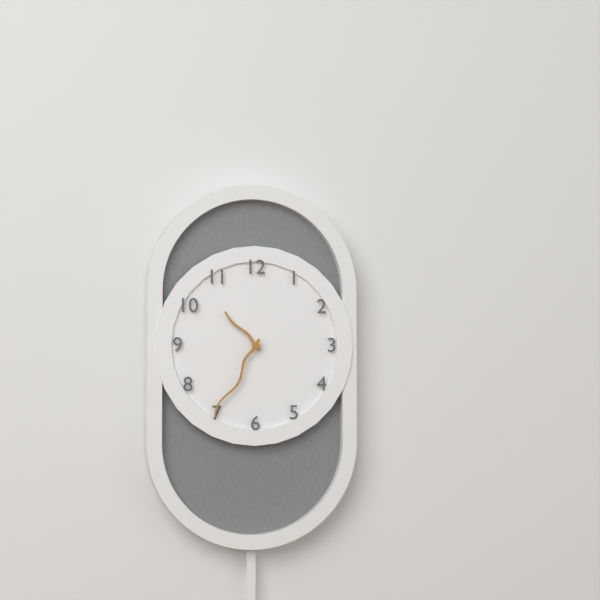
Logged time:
10h35
